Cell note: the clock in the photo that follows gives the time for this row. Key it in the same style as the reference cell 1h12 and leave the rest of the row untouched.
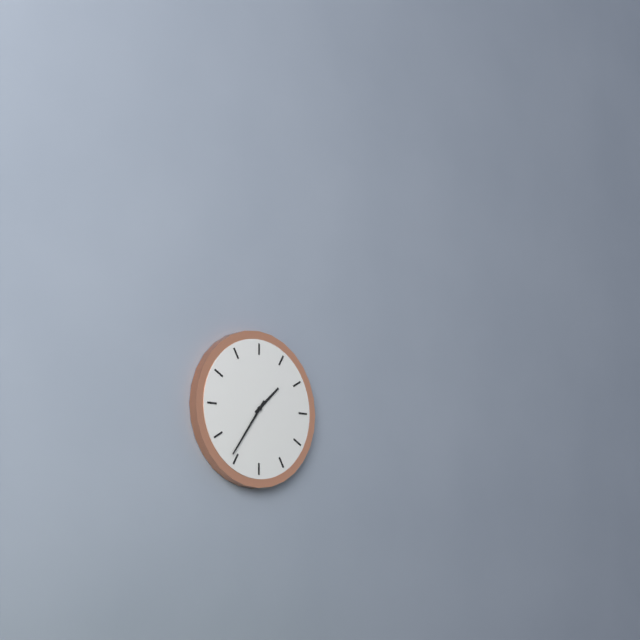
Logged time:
1h36
